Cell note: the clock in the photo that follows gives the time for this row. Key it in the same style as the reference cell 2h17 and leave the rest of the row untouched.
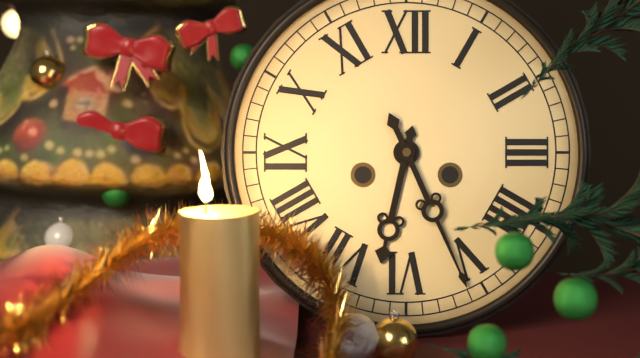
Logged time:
6h26
